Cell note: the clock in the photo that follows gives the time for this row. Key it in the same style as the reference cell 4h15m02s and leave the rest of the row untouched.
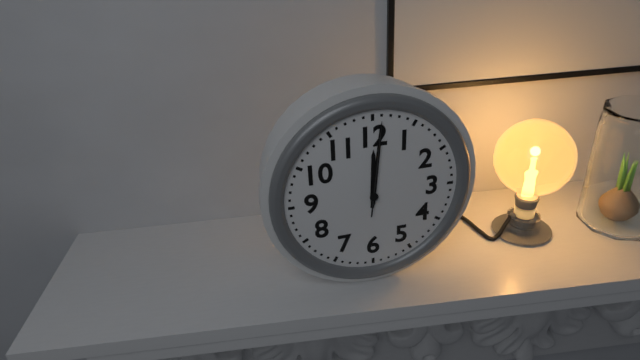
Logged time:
12h01m01s
